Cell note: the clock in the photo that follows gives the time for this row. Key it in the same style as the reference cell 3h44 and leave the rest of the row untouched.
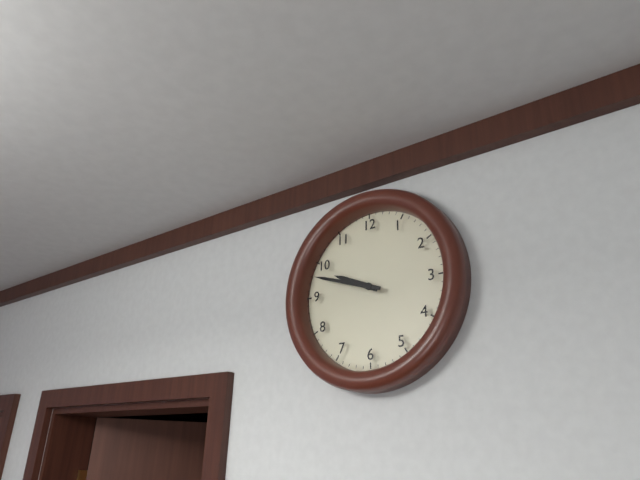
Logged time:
9h48
